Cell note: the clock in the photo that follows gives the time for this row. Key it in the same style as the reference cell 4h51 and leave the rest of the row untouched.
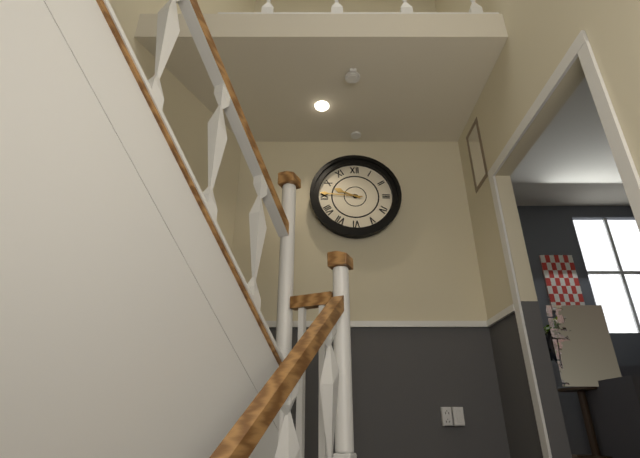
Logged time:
9h46
